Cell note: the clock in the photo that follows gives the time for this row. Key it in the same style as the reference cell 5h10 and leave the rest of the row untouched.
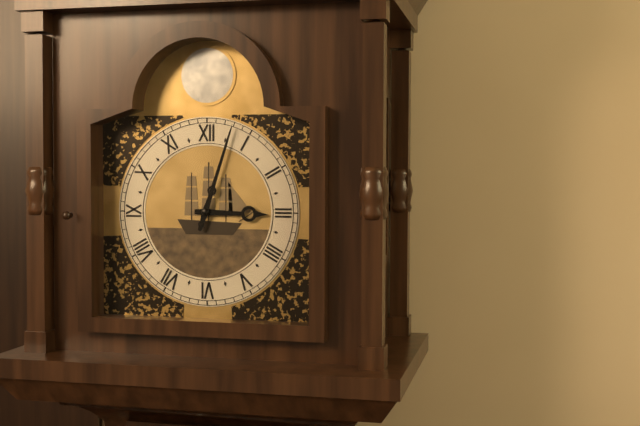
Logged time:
3h03
